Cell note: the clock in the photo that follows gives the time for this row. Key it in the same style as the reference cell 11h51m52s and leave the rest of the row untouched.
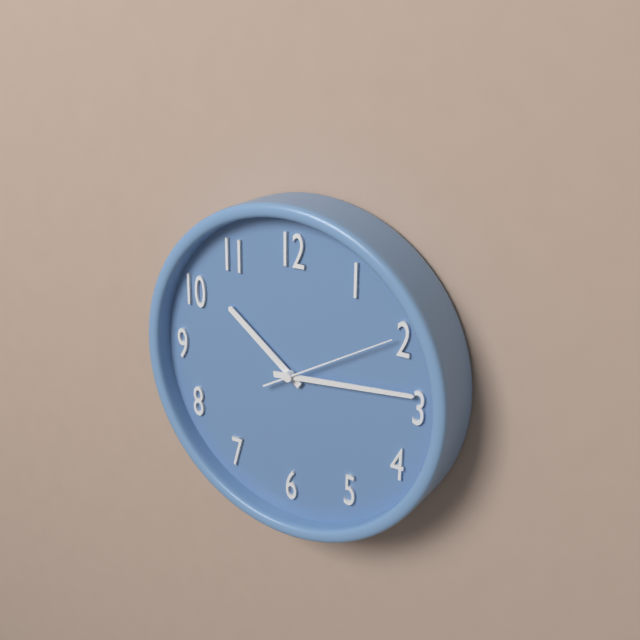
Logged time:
10h14m10s
